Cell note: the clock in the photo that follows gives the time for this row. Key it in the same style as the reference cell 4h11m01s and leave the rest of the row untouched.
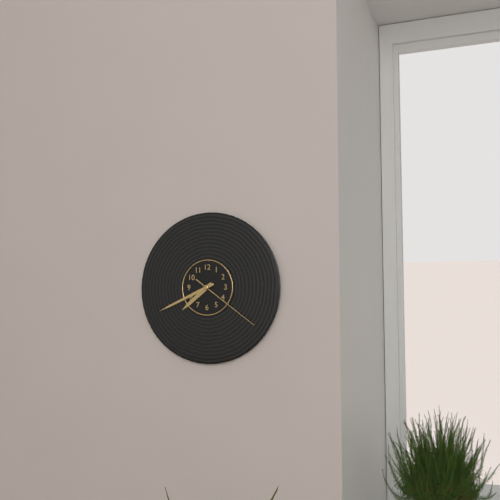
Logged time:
7h41m21s
